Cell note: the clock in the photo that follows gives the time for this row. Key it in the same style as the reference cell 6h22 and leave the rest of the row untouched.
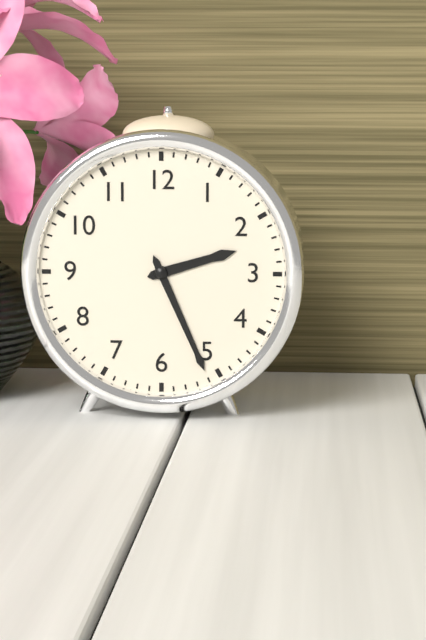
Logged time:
2h26
